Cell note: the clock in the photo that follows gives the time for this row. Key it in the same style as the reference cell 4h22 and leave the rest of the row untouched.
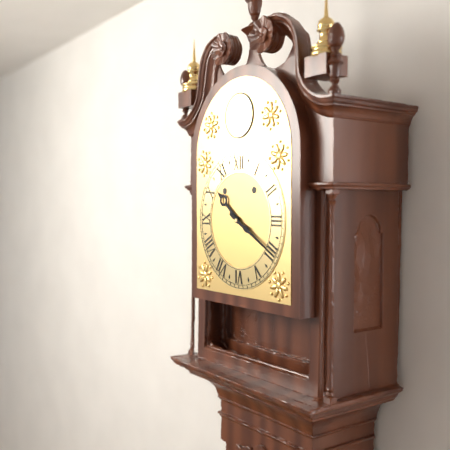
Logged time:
10h20
